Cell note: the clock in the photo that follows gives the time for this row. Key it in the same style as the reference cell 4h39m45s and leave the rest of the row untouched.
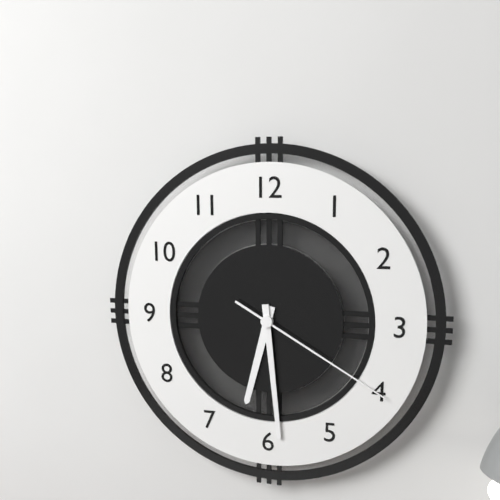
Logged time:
6h29m20s
